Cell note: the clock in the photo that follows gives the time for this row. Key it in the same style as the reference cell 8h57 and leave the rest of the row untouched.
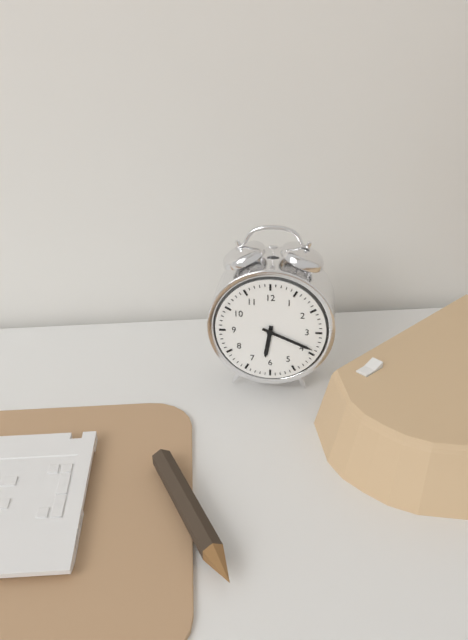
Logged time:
6h19
